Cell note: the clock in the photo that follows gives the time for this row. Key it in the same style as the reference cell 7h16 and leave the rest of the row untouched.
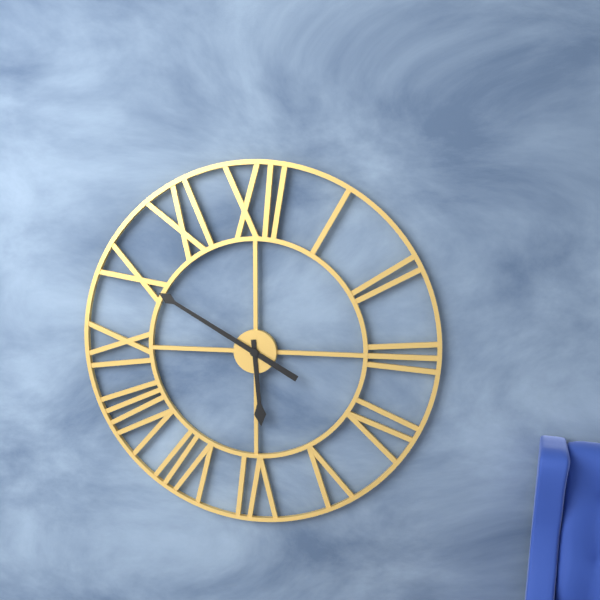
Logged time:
5h50
